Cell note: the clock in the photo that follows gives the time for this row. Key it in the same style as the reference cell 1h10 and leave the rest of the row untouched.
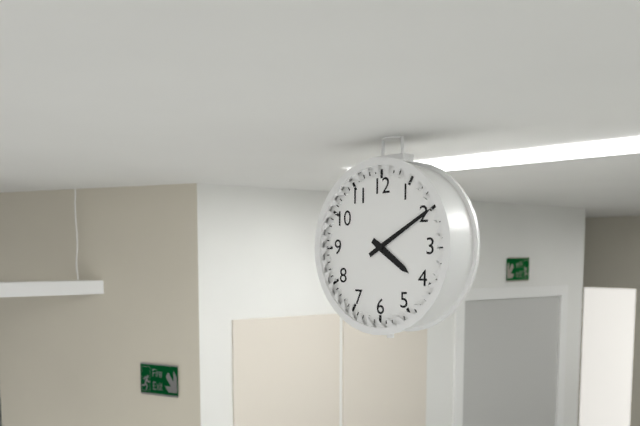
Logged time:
4h10
